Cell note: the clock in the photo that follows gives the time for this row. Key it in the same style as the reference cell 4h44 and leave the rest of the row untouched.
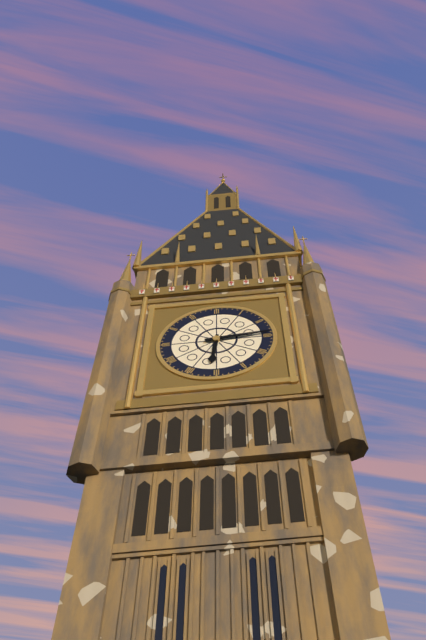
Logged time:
6h14
